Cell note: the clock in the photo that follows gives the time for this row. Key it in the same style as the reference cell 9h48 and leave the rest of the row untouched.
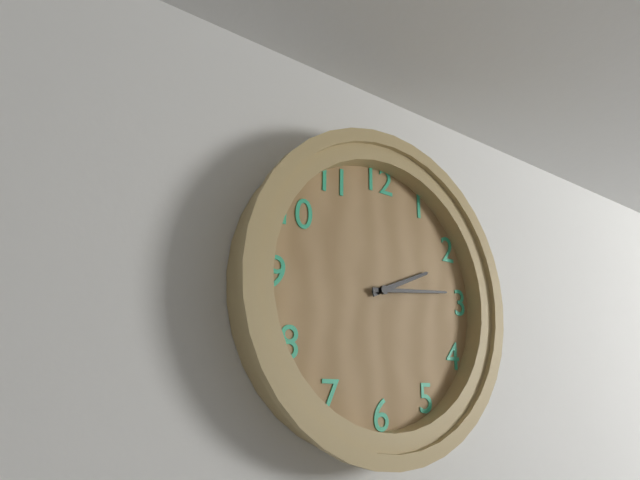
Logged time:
2h14
